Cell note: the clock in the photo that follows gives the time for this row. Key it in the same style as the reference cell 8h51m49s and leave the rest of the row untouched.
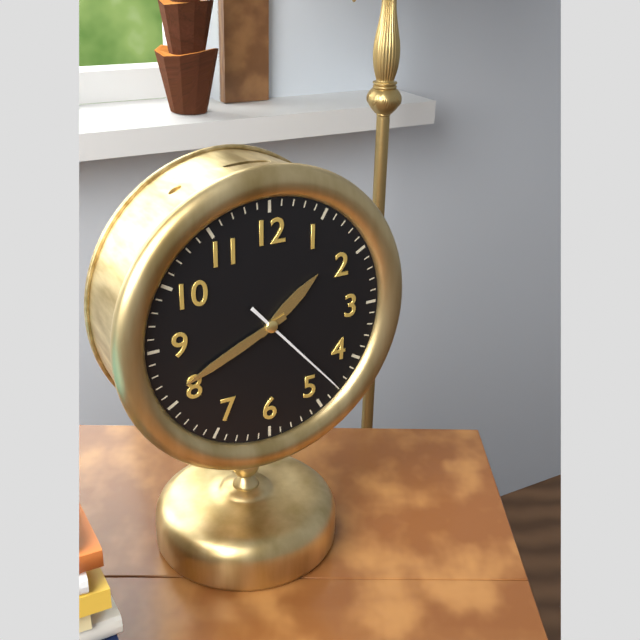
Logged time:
1h41m23s
